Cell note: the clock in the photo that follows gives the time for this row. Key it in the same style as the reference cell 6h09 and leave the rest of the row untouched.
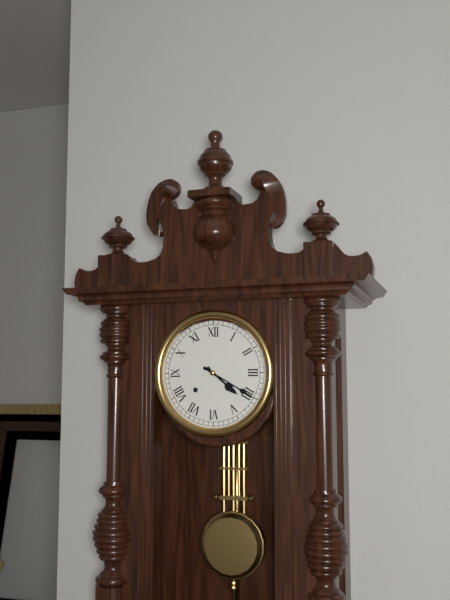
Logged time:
4h20
